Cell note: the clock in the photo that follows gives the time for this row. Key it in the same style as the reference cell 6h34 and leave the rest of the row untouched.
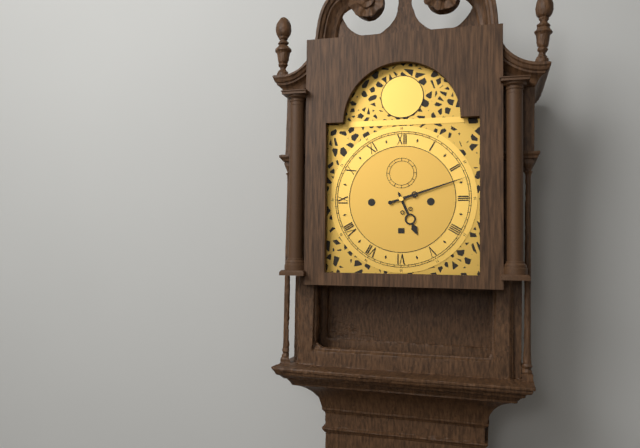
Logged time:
5h12
